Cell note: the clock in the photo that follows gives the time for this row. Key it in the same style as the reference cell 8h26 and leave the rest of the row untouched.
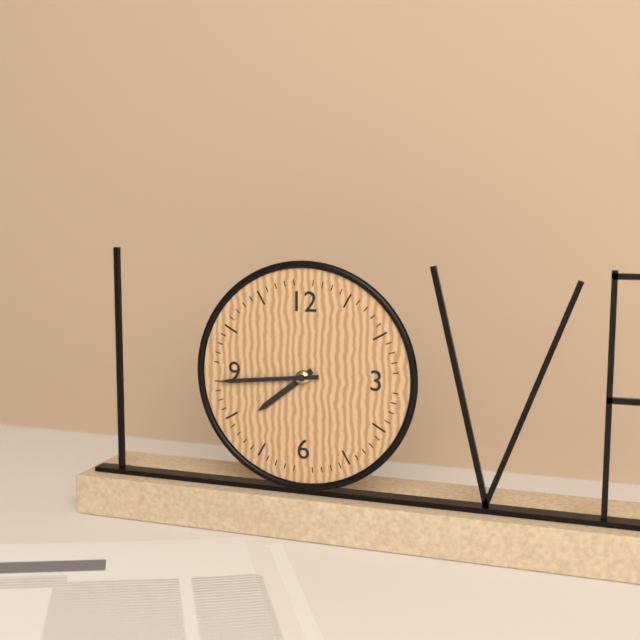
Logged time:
7h44
